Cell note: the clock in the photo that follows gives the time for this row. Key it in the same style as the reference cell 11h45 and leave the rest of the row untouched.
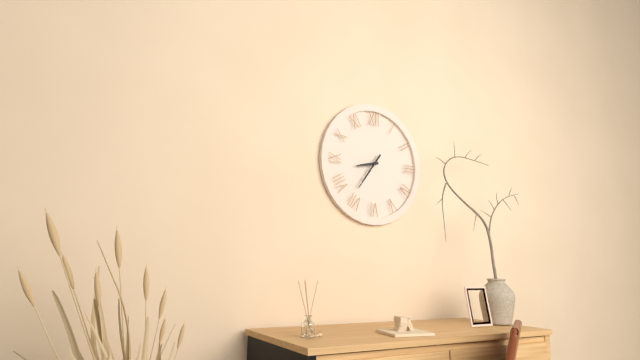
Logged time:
8h36
